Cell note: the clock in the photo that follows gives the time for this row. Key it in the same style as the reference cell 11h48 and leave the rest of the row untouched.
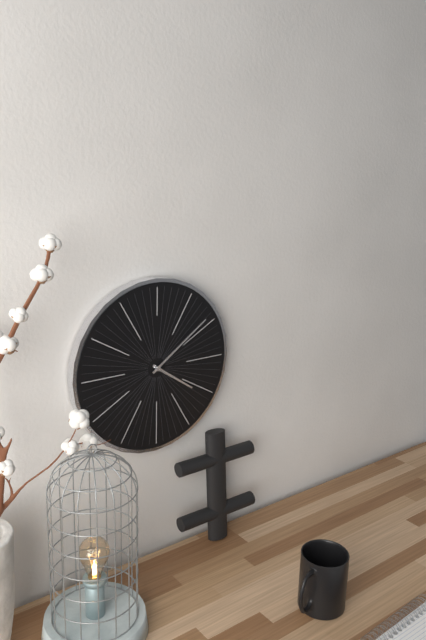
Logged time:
4h09
